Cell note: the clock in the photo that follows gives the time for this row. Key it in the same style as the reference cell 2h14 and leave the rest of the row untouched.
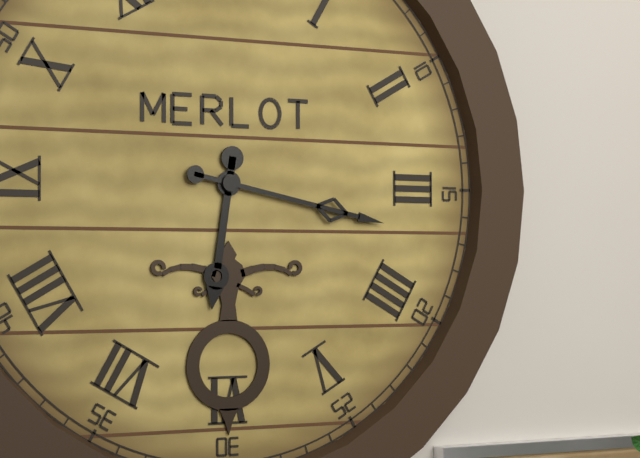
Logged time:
6h17
